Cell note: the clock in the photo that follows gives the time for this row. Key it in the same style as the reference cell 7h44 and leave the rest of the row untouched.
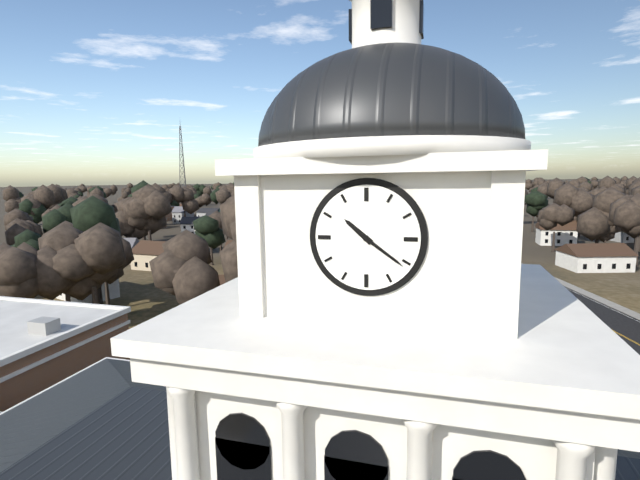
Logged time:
10h21
